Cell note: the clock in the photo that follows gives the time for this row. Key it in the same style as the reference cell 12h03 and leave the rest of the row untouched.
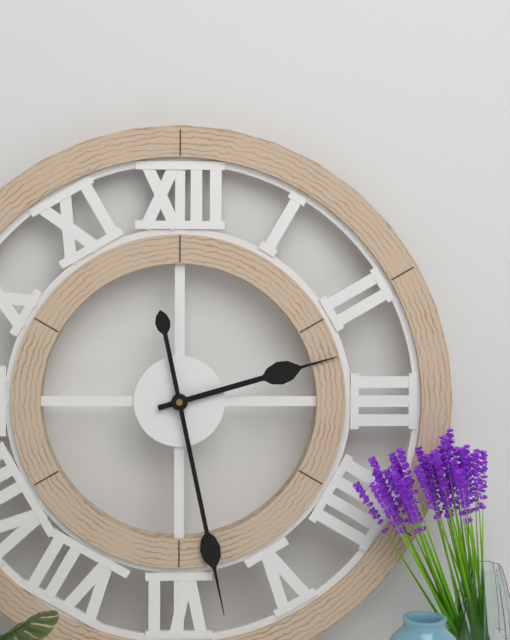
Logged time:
2h28
